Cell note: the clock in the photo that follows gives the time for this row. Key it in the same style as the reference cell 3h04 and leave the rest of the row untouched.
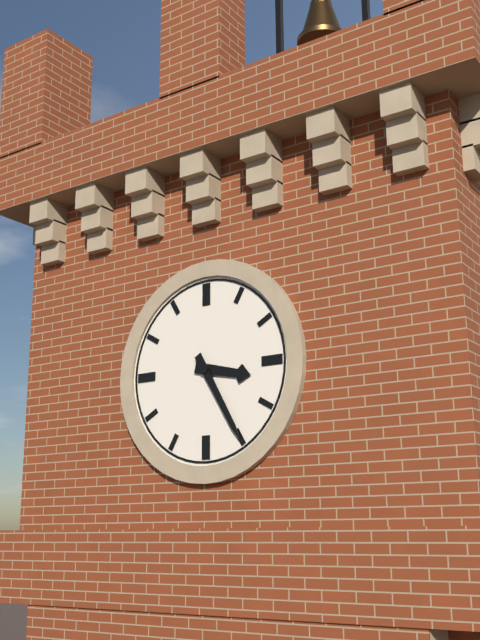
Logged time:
3h25
